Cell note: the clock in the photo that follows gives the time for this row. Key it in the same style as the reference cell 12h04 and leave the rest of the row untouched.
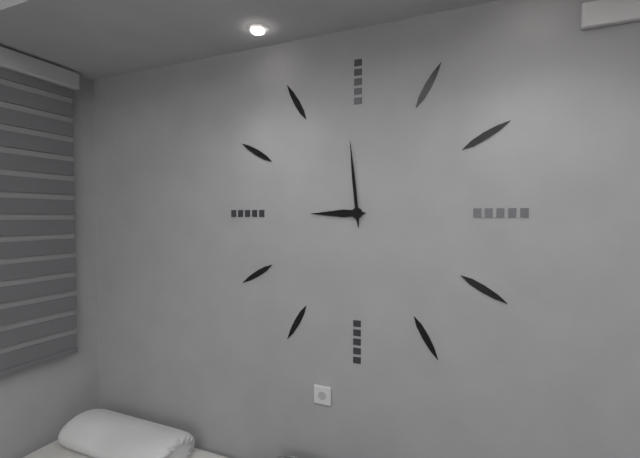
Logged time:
8h59
